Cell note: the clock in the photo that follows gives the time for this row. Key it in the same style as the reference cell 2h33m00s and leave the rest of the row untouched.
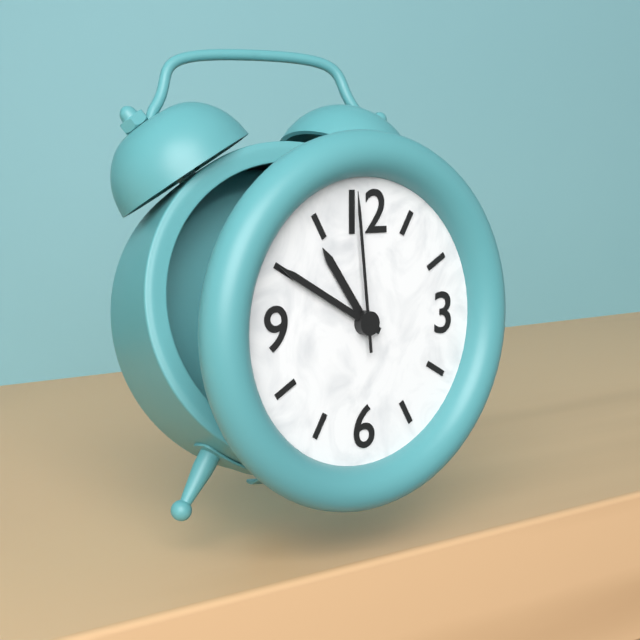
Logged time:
10h50m59s
